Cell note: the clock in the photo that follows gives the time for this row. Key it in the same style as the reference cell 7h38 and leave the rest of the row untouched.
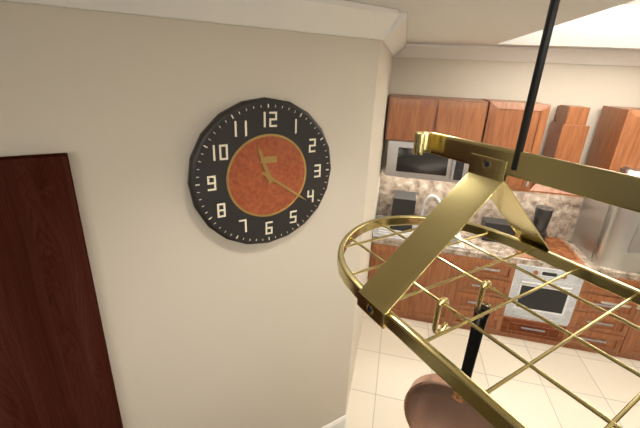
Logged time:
11h21
